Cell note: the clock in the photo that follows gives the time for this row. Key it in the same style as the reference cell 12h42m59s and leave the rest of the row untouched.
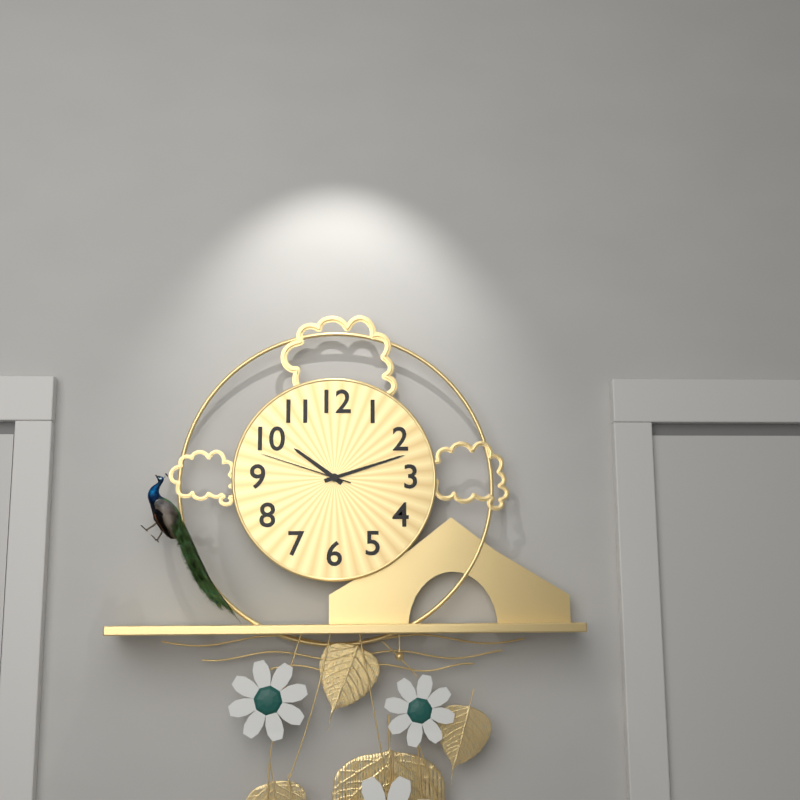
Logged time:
10h12m48s
